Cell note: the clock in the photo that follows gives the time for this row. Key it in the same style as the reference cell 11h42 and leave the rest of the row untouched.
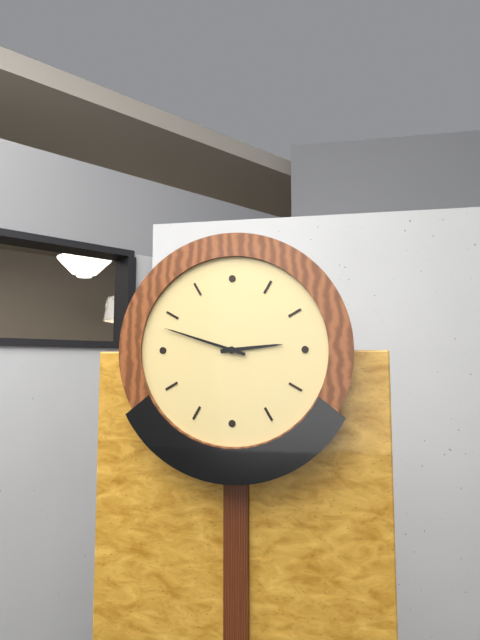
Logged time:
2h48
